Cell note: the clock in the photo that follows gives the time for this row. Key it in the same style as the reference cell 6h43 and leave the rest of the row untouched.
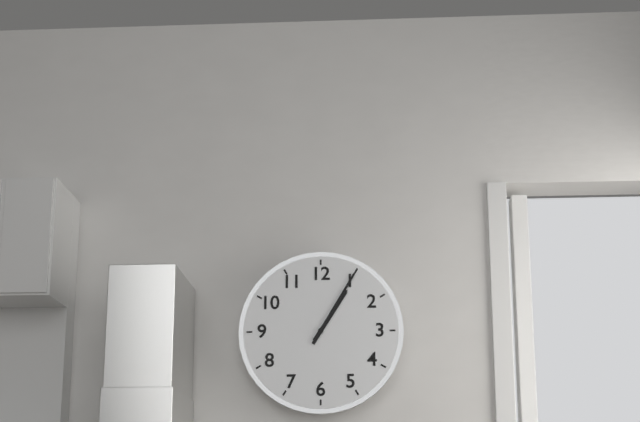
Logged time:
1h05
